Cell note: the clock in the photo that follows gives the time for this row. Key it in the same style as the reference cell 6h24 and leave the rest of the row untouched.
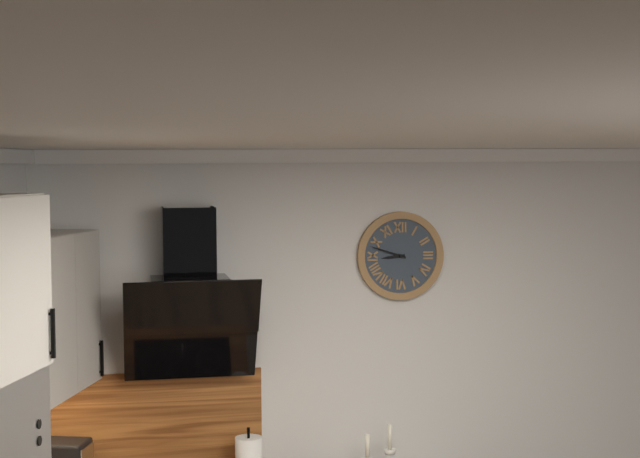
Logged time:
8h48
